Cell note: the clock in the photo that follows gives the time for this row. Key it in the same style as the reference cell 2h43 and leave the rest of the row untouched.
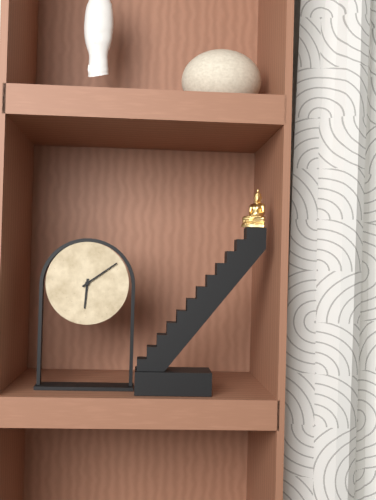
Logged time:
6h09
